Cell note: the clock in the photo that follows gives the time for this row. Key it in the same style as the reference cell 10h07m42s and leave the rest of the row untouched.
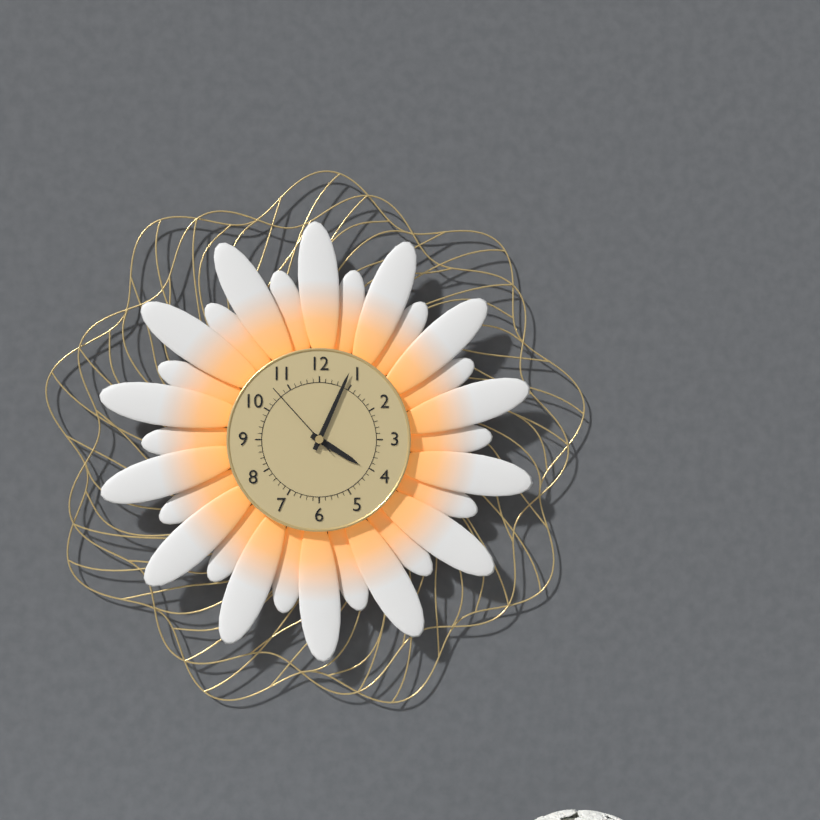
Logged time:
4h04m53s
